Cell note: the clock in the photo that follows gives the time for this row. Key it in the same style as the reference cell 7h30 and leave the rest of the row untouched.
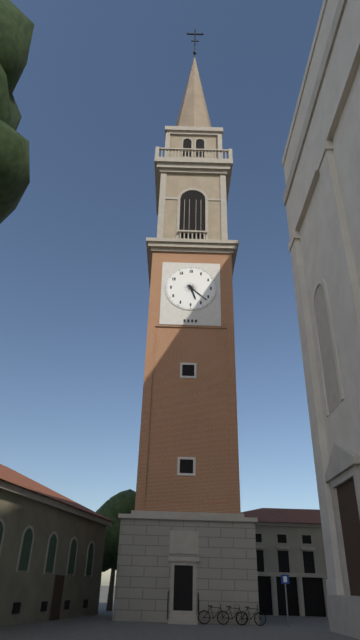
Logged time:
5h22
